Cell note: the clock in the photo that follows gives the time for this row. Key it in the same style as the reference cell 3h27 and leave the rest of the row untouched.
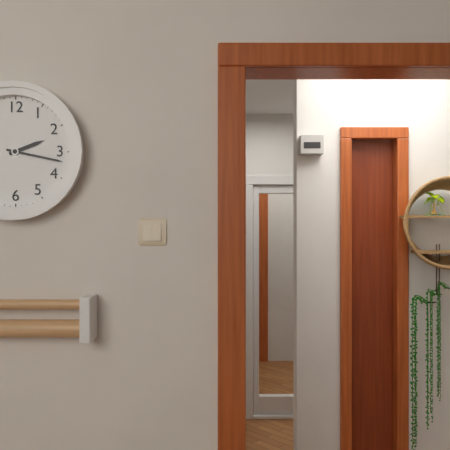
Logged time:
2h17
